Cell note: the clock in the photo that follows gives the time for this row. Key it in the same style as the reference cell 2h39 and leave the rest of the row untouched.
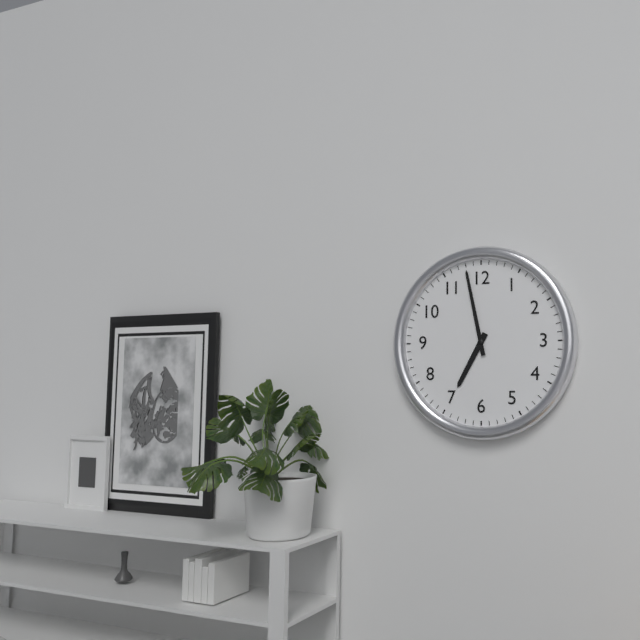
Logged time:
6h58
